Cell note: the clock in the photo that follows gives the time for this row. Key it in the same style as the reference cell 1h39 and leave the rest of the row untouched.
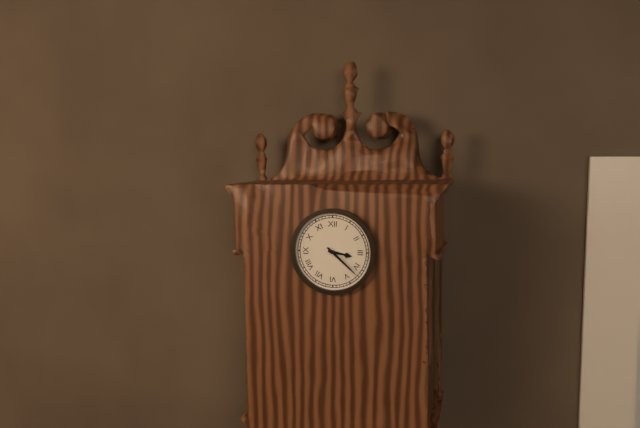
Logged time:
3h22
